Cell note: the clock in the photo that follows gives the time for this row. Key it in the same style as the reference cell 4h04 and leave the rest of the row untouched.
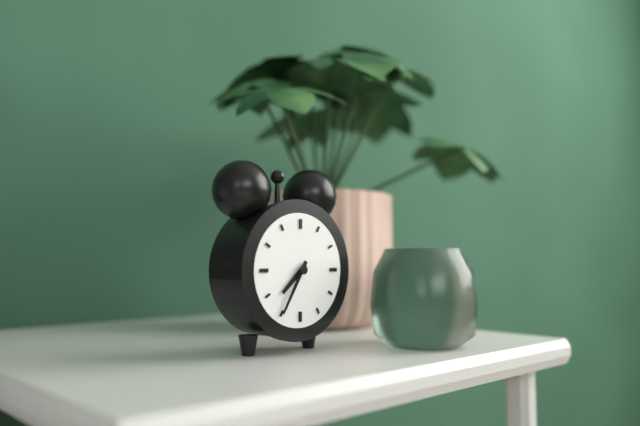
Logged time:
7h35
